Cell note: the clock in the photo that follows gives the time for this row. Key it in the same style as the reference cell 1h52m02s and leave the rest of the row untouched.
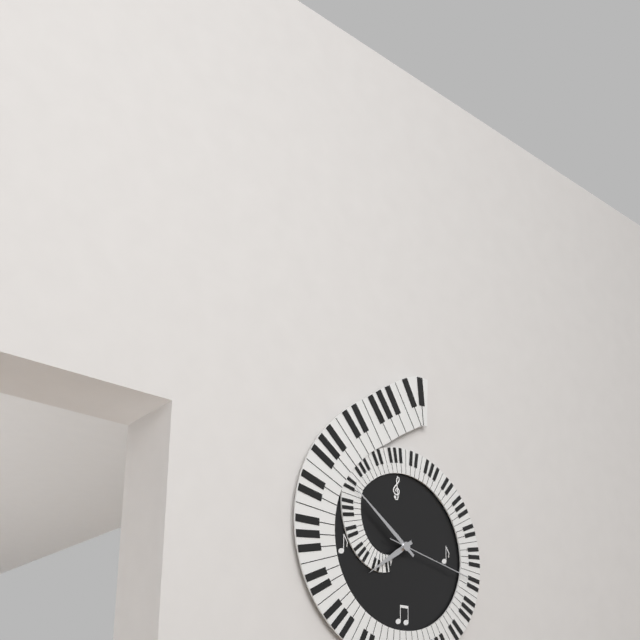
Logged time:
7h51m17s
